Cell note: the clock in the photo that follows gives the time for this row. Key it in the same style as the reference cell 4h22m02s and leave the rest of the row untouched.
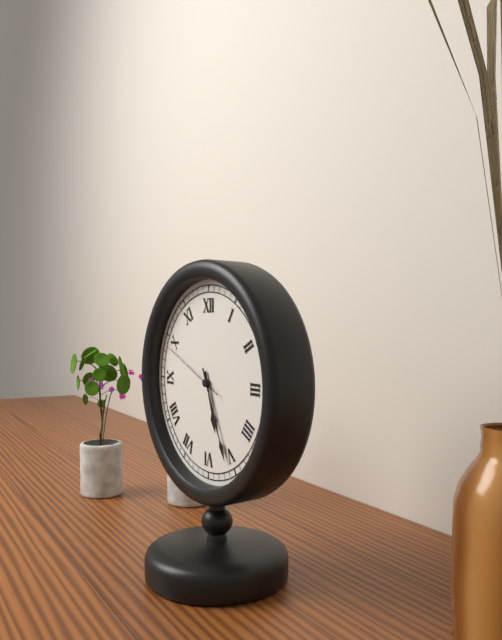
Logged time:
5h26m49s
